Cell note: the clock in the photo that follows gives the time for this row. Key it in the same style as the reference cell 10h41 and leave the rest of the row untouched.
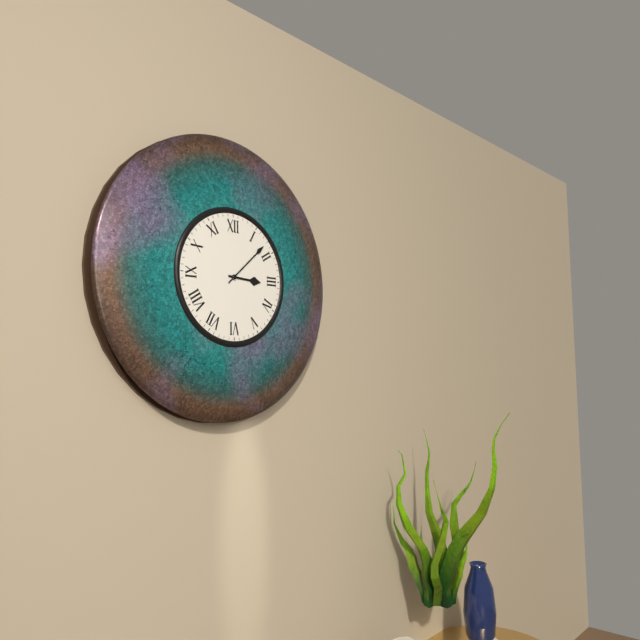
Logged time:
3h08
